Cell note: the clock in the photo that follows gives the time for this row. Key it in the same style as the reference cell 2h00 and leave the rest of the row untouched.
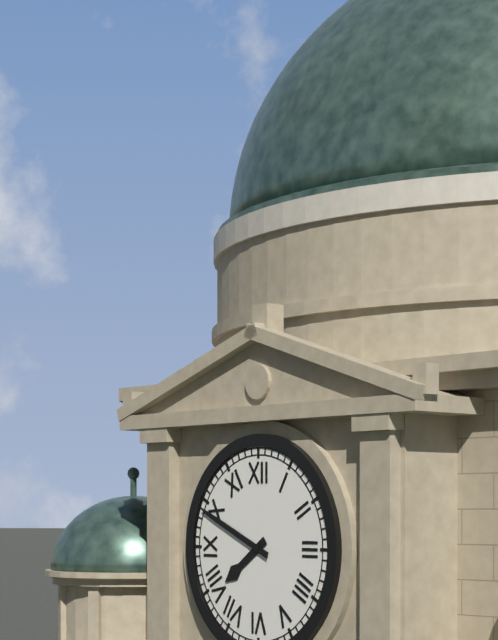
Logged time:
7h49
